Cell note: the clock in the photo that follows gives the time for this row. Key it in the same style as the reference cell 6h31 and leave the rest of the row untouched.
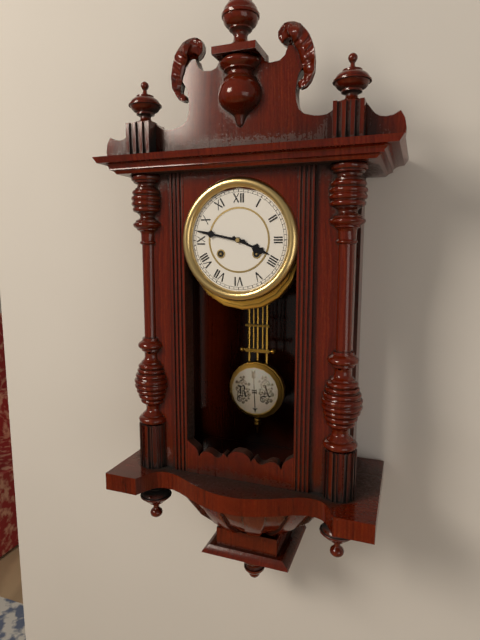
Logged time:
3h47
